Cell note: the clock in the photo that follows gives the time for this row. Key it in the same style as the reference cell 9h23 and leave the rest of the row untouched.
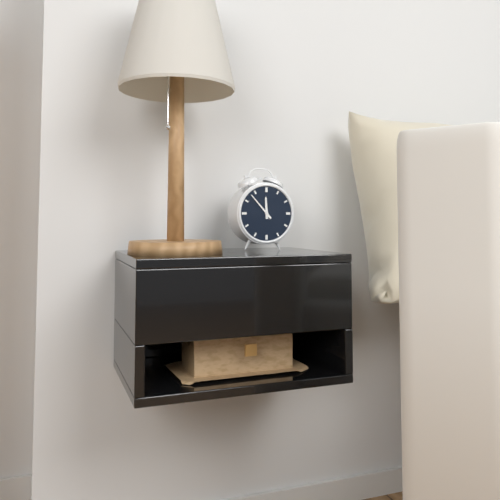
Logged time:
11h53
